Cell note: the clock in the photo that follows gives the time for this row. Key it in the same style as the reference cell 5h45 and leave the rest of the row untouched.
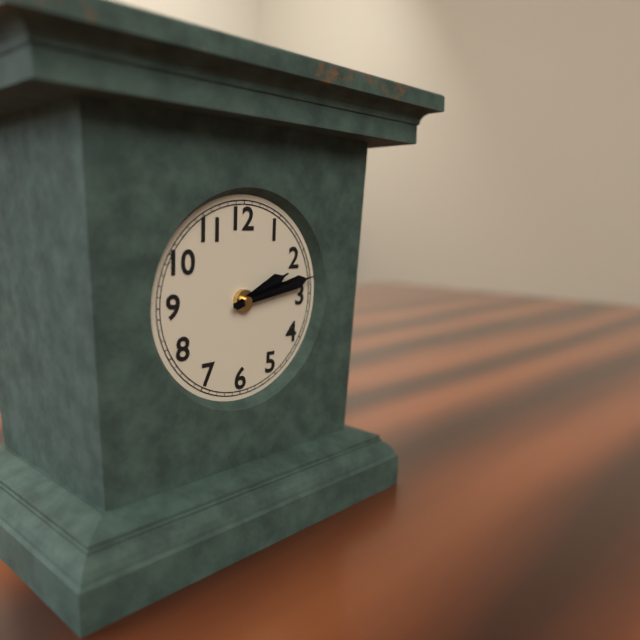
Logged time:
2h13
